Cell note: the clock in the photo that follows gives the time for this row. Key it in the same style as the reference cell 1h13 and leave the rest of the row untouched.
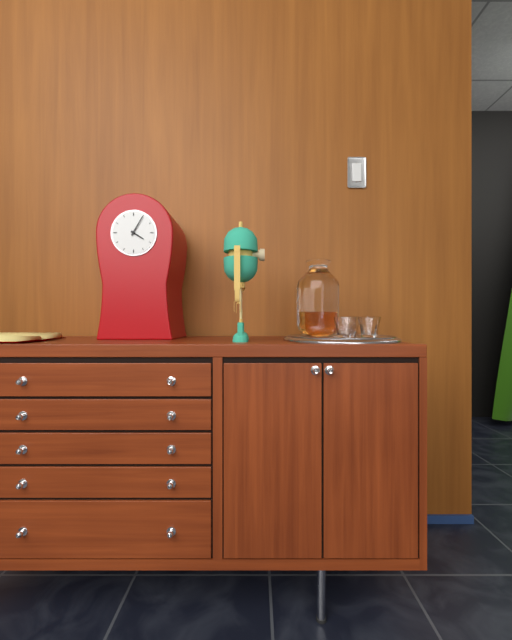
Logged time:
4h05
